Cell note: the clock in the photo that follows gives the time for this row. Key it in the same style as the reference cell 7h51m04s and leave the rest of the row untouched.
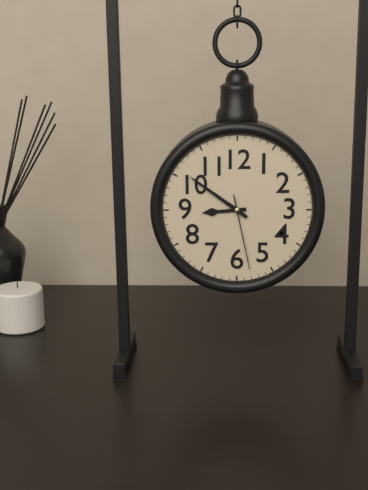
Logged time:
8h51m28s
